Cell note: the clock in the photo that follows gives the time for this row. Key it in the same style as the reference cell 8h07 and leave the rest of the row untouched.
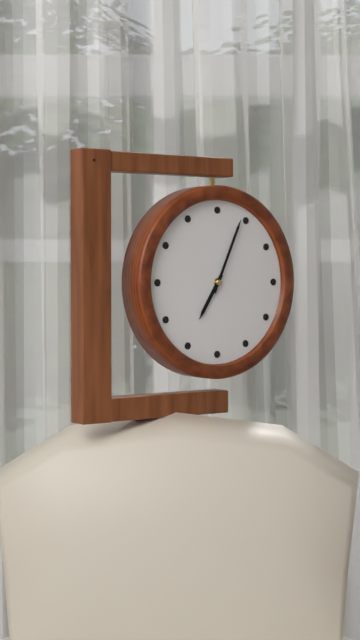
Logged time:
7h04
